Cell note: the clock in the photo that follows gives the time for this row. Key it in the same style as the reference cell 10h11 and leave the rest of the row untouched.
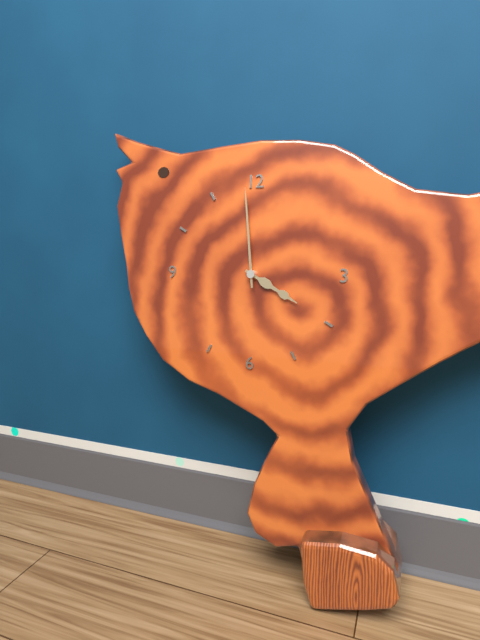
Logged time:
3h59
